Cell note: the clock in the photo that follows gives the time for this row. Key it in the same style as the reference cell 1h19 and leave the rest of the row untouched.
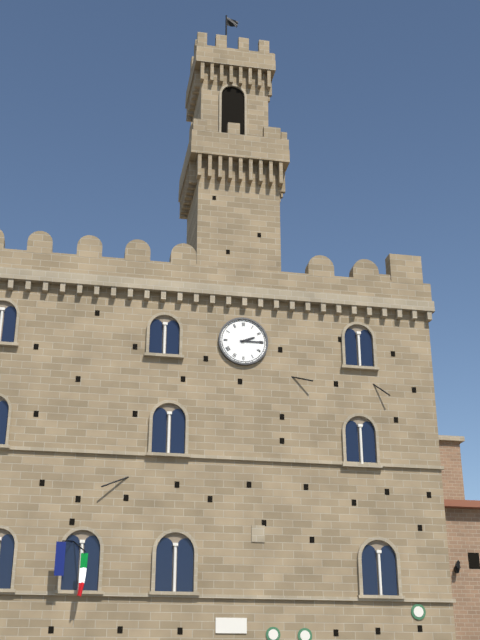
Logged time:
2h15
